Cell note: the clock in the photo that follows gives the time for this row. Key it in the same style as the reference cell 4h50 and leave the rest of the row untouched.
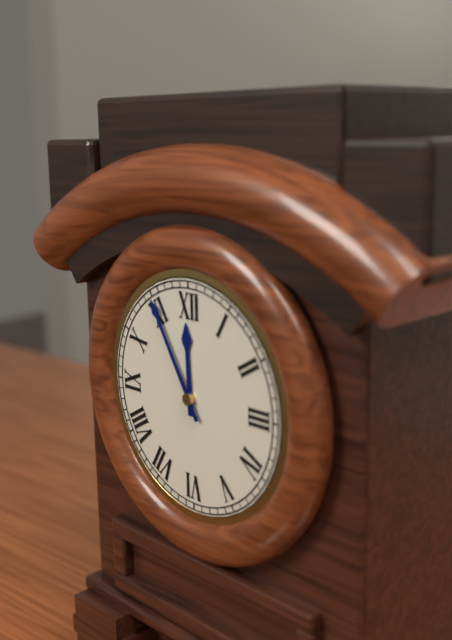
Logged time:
11h55
